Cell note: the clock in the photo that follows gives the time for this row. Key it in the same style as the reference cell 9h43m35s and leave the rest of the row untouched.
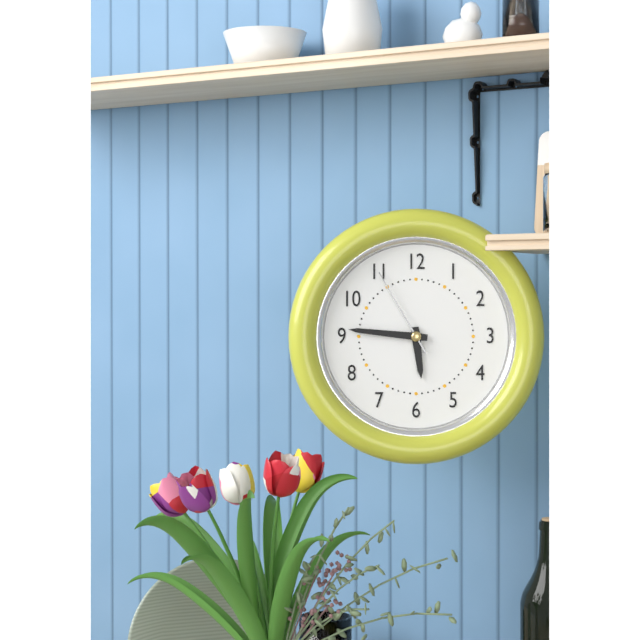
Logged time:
5h46m55s
